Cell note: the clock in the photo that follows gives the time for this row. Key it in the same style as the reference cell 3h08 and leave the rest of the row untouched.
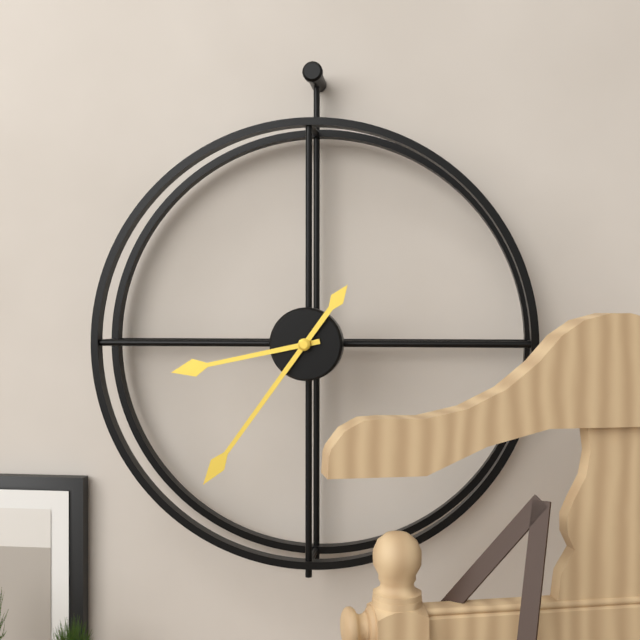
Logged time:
8h36
